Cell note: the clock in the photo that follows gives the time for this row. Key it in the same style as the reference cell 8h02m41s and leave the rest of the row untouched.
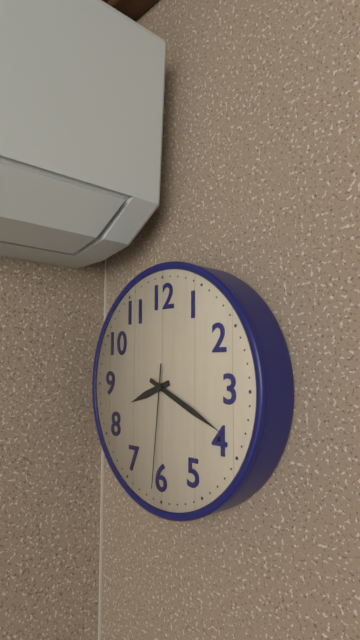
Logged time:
8h19m31s
